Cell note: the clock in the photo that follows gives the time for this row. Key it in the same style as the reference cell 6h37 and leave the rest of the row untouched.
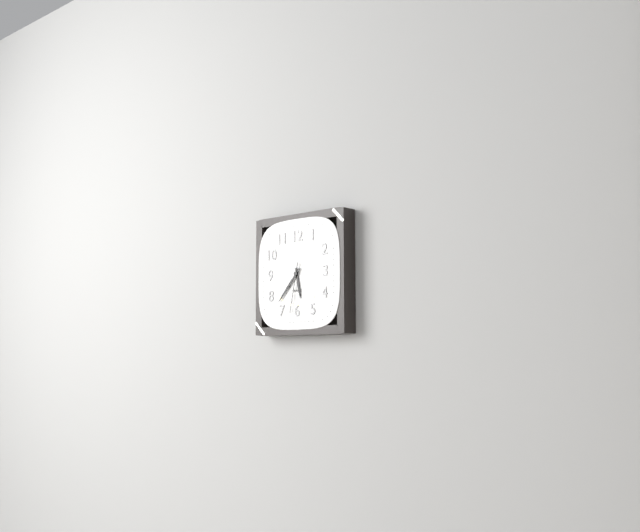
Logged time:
5h37
